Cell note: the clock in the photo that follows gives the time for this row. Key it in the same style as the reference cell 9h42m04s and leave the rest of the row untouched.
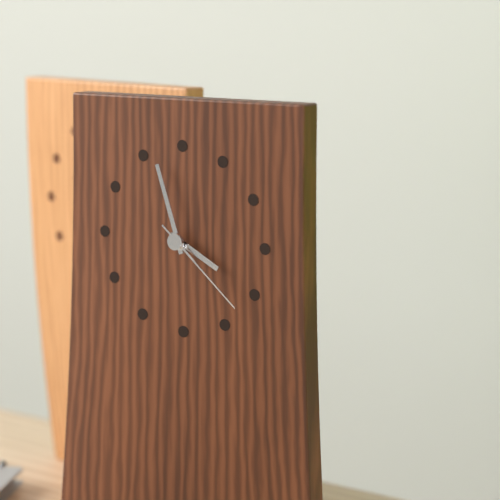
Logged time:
3h57m22s
